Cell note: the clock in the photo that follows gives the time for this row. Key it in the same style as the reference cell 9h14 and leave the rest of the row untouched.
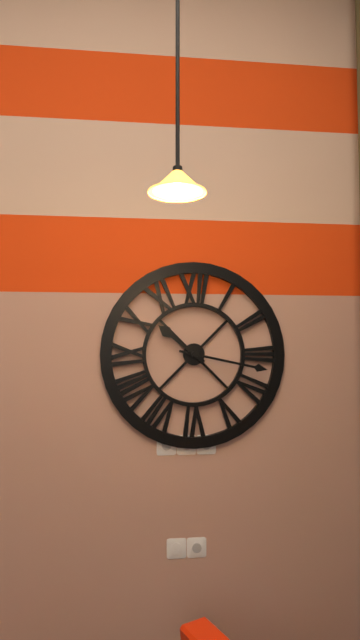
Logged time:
10h17
